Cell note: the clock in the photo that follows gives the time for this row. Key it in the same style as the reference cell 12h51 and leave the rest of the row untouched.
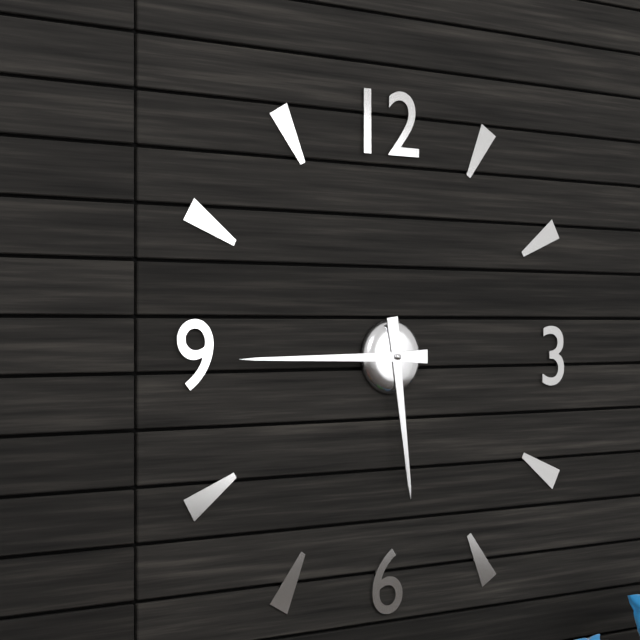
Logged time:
5h45
